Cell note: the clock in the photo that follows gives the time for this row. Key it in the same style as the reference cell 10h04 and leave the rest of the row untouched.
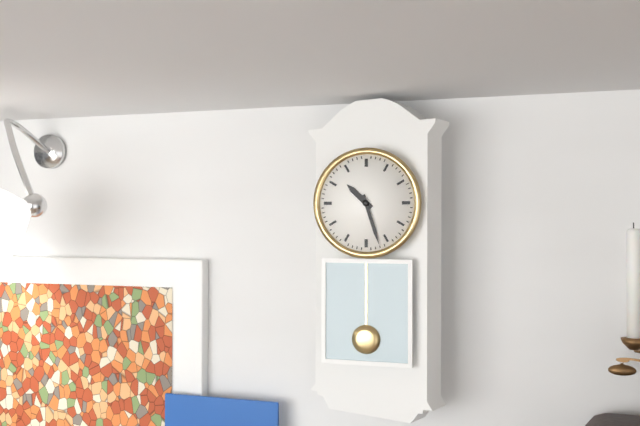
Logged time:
10h27
